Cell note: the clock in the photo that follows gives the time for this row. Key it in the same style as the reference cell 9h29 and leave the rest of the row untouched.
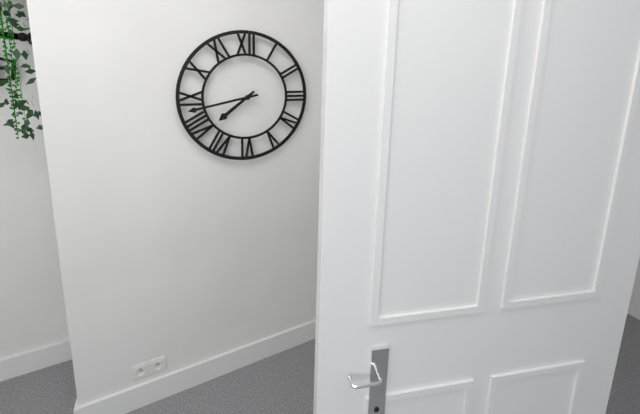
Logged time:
7h43
